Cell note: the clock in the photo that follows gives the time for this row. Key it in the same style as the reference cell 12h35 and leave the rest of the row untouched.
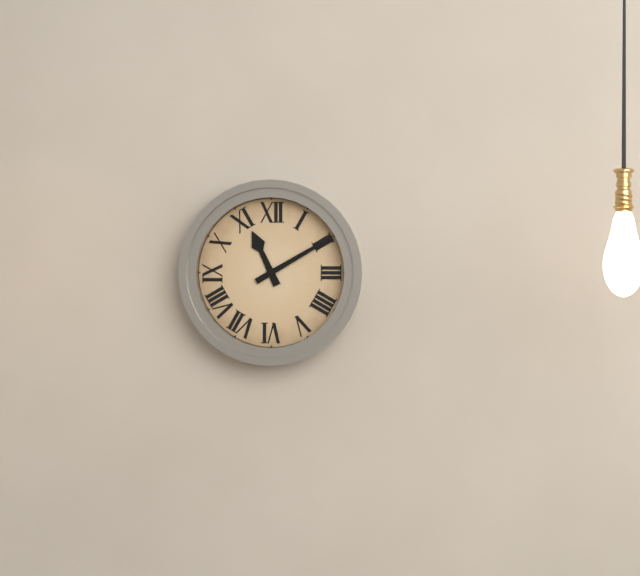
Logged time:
11h10
